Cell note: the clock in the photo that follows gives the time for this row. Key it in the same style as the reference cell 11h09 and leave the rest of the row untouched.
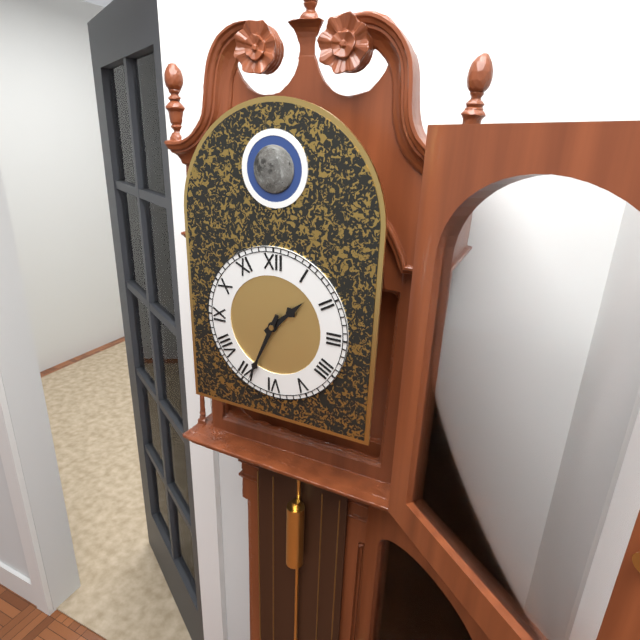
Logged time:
1h34
